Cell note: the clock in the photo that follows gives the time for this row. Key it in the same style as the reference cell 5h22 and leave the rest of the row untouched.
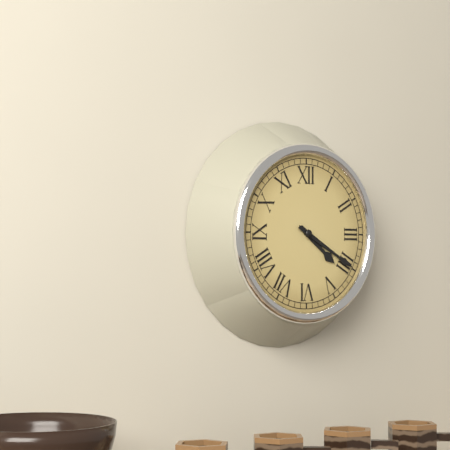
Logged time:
4h20
